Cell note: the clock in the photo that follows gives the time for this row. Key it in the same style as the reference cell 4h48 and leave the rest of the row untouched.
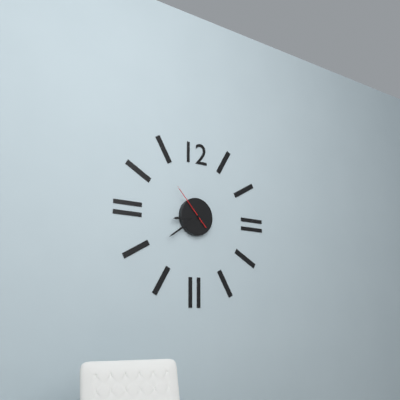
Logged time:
8h39
